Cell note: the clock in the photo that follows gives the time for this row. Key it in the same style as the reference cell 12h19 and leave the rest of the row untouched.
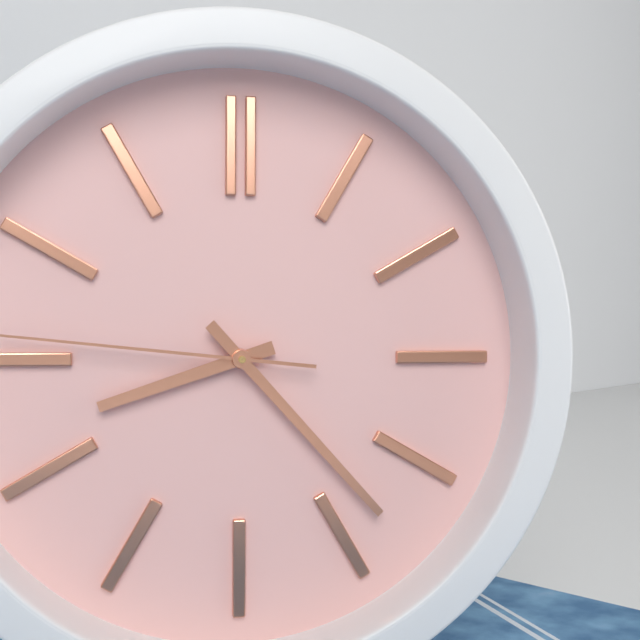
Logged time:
8h23
